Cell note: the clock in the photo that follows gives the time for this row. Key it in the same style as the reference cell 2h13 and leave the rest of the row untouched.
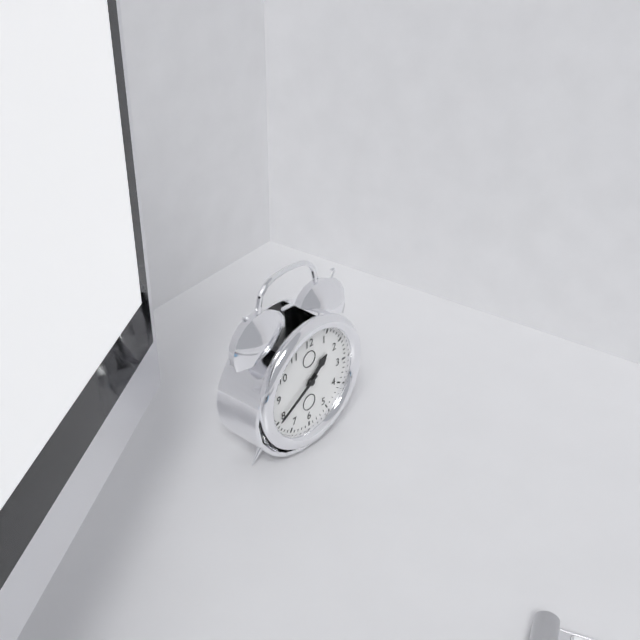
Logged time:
1h40
